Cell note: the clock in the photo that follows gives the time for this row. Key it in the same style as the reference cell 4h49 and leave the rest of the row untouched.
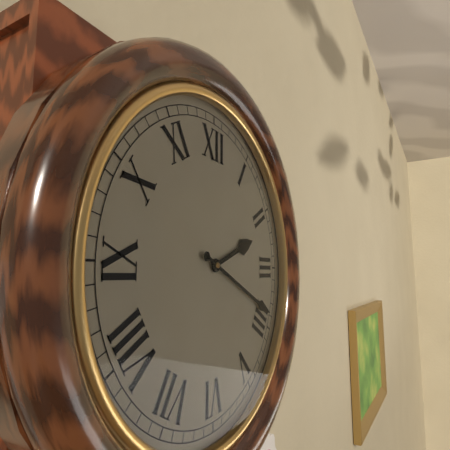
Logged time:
2h19
